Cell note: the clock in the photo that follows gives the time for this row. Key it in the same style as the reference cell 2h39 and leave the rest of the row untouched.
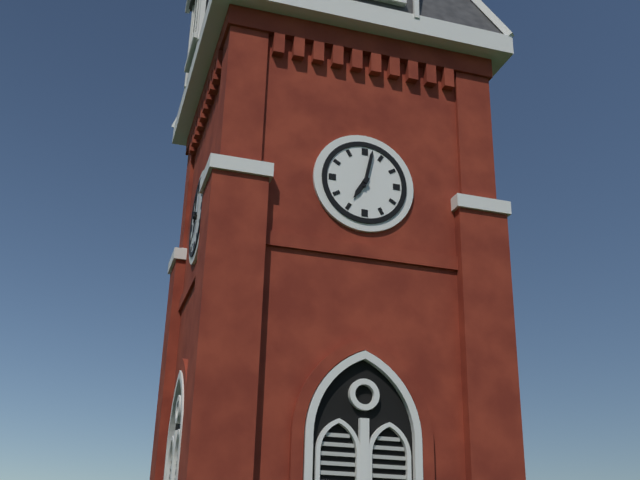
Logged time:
7h02
